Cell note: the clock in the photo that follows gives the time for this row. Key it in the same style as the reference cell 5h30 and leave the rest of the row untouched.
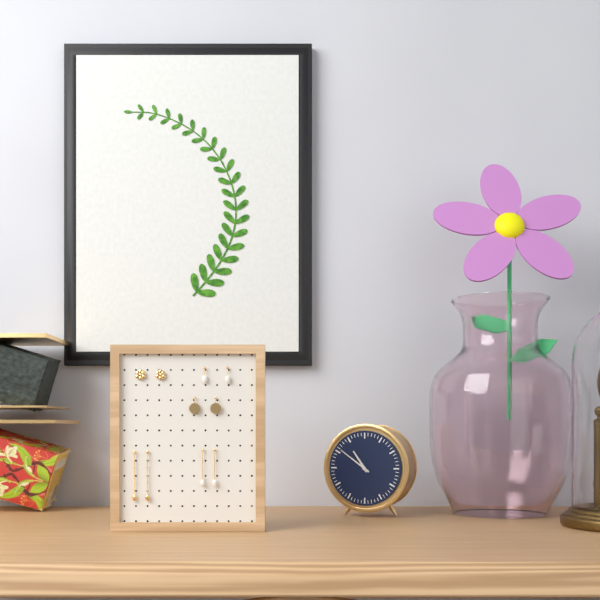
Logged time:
10h51
